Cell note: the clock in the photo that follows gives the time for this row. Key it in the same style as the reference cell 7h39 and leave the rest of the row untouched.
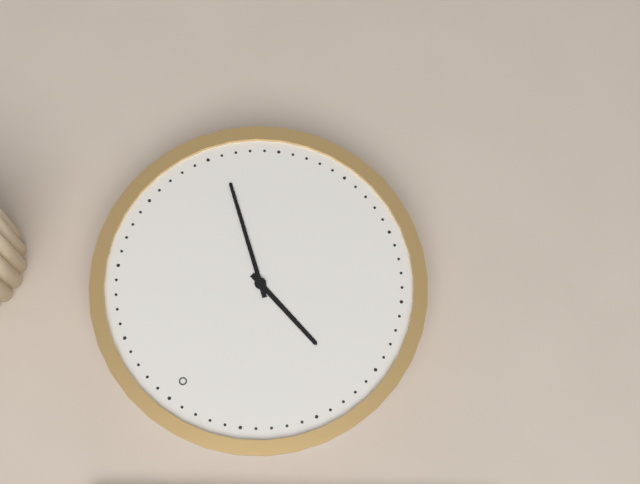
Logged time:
9h21
